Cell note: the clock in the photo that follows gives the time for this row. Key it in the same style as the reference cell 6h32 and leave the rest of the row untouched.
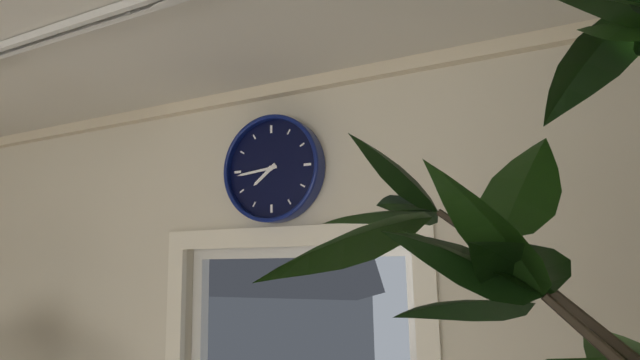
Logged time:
7h44
